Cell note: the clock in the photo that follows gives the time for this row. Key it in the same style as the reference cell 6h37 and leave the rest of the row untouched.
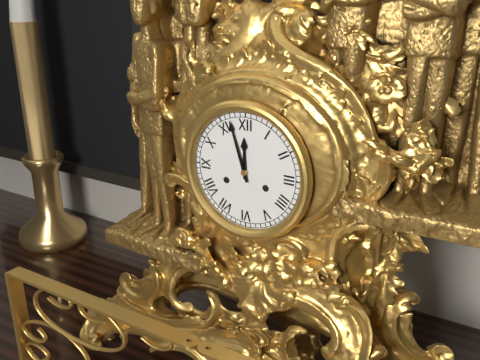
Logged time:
11h57
